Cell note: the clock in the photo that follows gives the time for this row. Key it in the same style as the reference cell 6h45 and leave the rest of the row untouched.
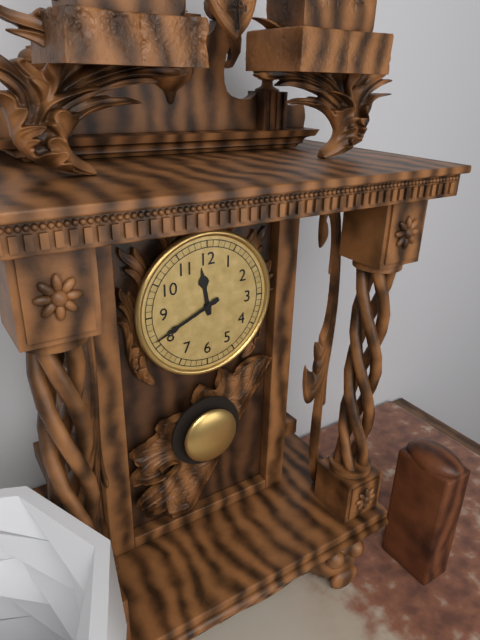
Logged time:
11h41
